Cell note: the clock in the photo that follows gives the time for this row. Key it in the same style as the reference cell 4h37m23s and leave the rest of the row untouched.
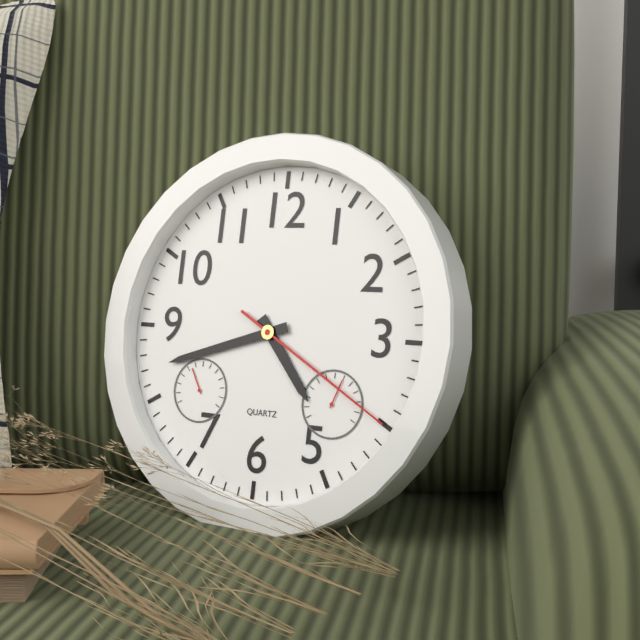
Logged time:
4h42m20s
